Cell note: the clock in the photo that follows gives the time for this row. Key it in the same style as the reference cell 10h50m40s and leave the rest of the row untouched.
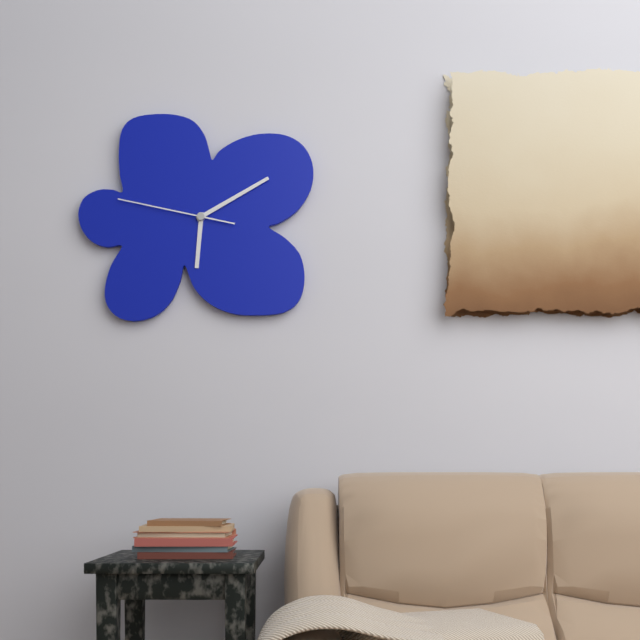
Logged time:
6h10m47s
